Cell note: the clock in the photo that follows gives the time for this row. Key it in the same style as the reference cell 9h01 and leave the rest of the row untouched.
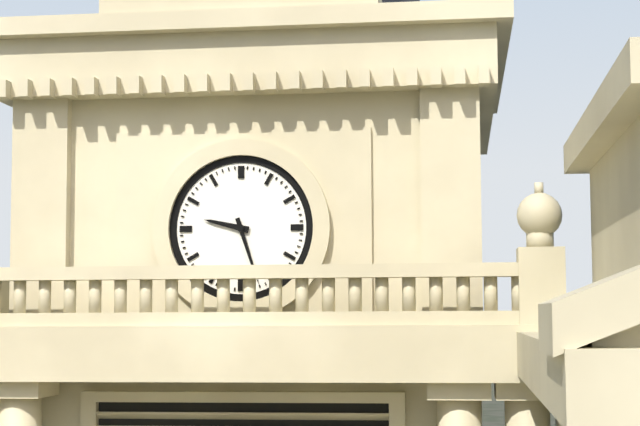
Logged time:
9h27
